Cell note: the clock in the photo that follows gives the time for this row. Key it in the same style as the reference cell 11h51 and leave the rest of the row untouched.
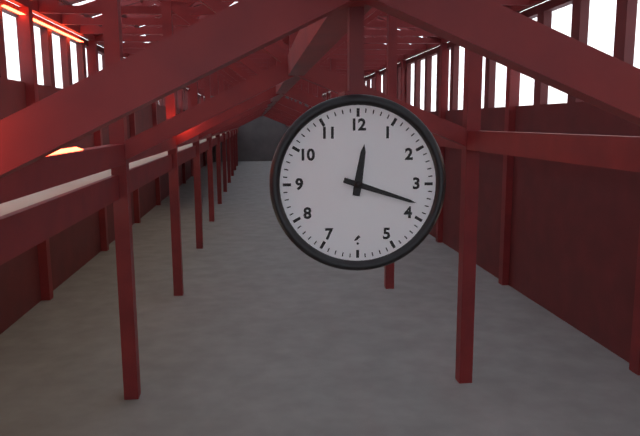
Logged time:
12h18
